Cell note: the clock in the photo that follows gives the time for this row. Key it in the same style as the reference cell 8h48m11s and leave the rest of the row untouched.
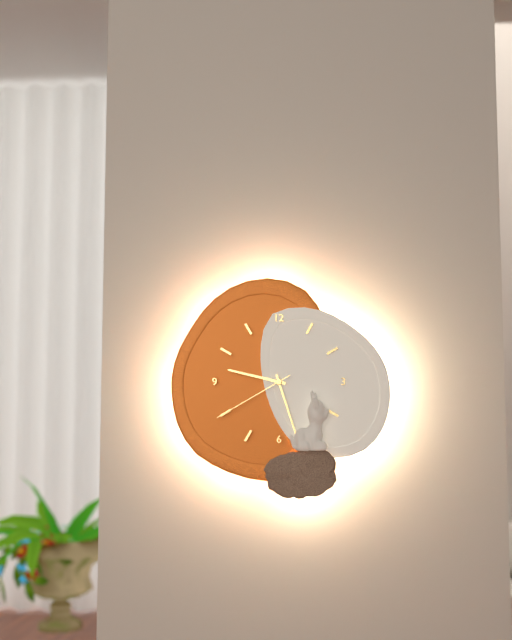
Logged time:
9h27m40s
